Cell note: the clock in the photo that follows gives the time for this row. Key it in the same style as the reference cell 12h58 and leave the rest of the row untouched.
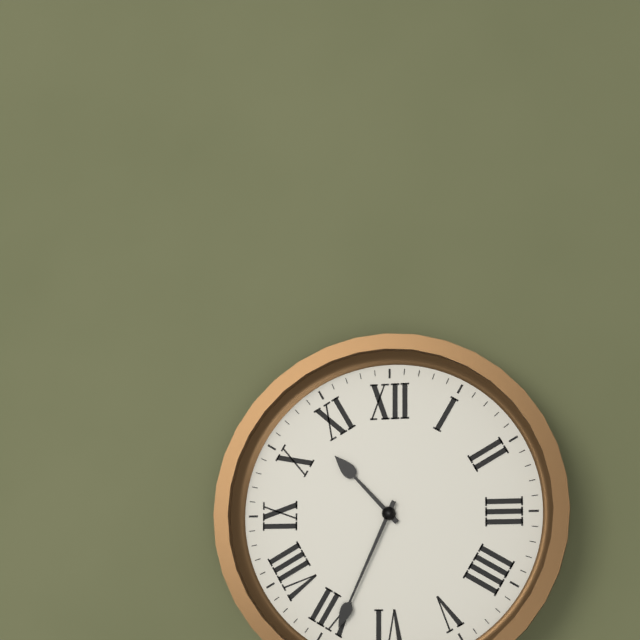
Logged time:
10h34
